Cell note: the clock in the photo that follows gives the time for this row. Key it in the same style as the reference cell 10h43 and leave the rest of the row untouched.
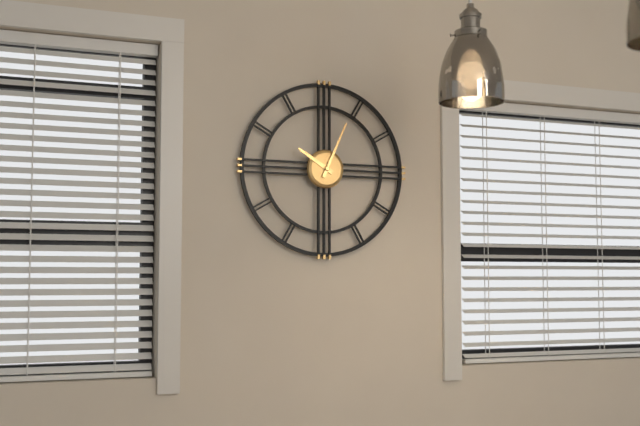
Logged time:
10h04
